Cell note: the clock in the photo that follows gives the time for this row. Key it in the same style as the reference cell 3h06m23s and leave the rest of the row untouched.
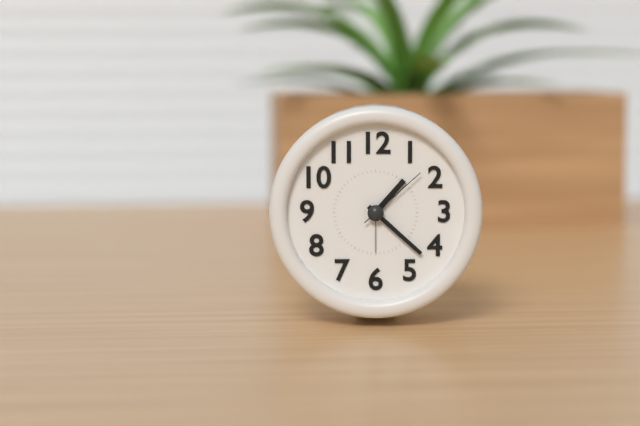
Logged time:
1h22m08s
